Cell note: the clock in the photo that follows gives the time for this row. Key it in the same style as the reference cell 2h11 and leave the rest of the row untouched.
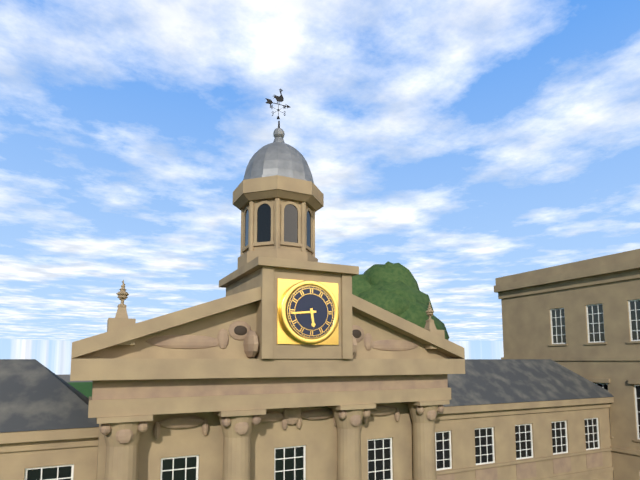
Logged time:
5h44
